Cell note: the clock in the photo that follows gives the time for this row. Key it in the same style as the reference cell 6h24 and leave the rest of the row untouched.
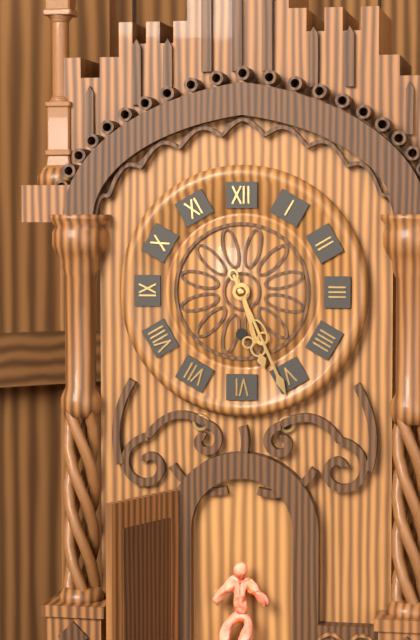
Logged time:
5h26
